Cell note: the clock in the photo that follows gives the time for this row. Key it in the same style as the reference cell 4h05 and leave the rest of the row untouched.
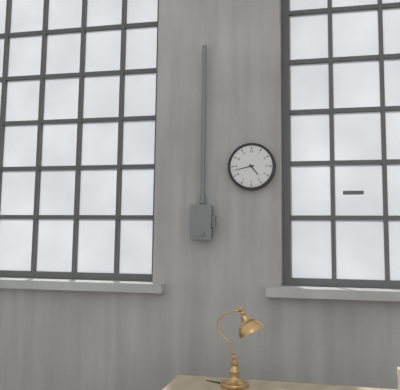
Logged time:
4h43
